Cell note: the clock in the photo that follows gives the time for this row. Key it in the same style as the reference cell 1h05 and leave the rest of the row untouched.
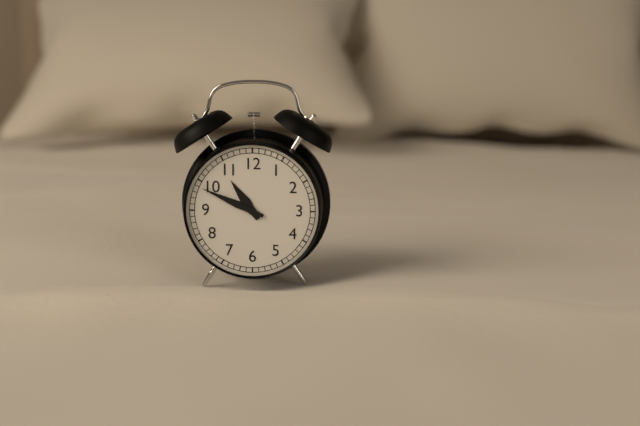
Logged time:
10h49
